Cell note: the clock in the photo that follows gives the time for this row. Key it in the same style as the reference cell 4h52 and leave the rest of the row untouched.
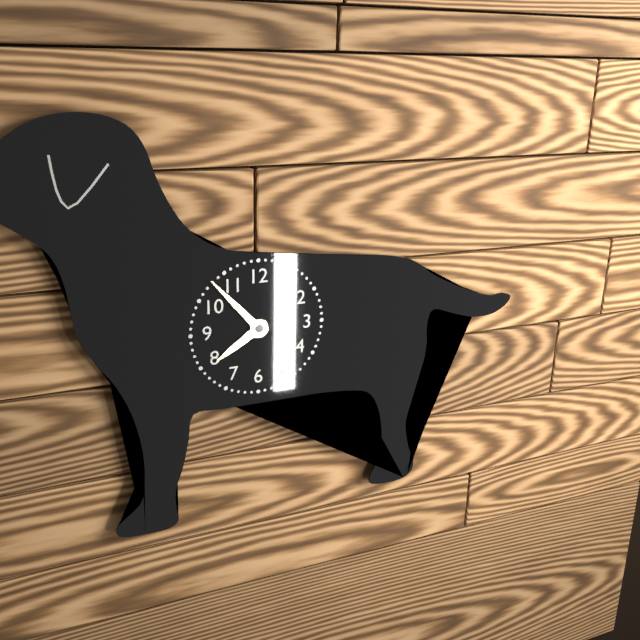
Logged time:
7h53
